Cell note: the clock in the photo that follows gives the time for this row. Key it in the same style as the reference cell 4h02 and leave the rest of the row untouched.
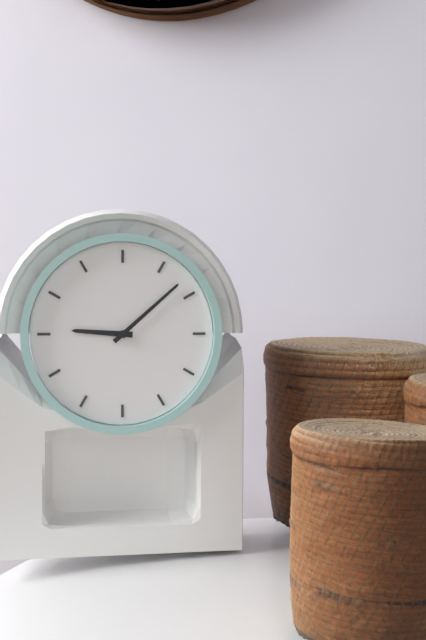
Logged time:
9h08
